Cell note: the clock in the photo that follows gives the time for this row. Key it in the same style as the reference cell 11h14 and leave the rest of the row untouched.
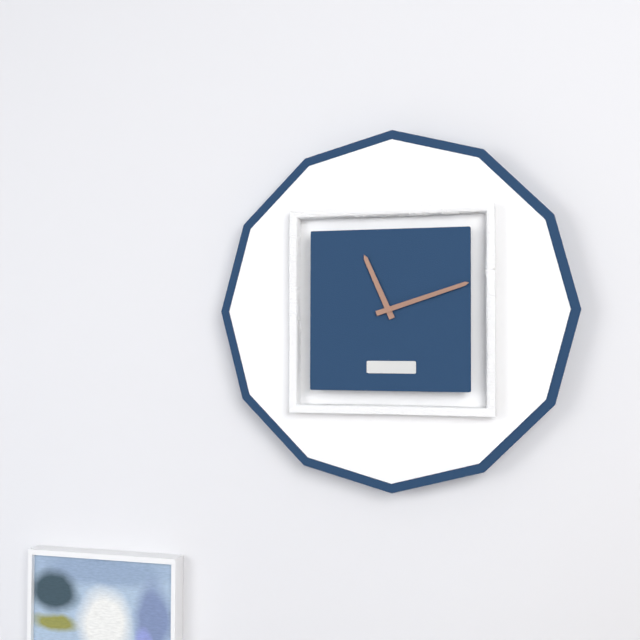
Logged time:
11h12
